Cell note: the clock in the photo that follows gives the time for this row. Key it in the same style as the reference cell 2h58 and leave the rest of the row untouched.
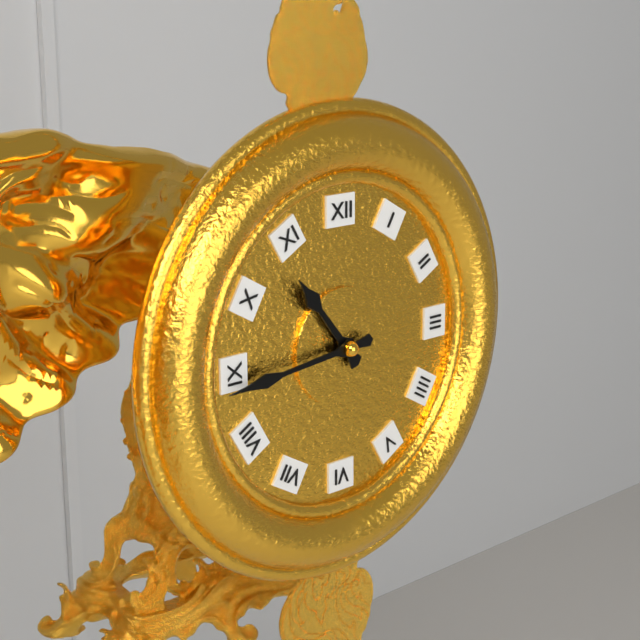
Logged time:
10h44
